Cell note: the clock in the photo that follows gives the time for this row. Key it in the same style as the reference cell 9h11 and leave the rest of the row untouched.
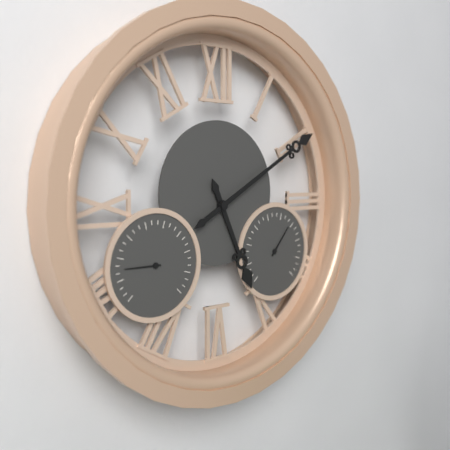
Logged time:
5h10
